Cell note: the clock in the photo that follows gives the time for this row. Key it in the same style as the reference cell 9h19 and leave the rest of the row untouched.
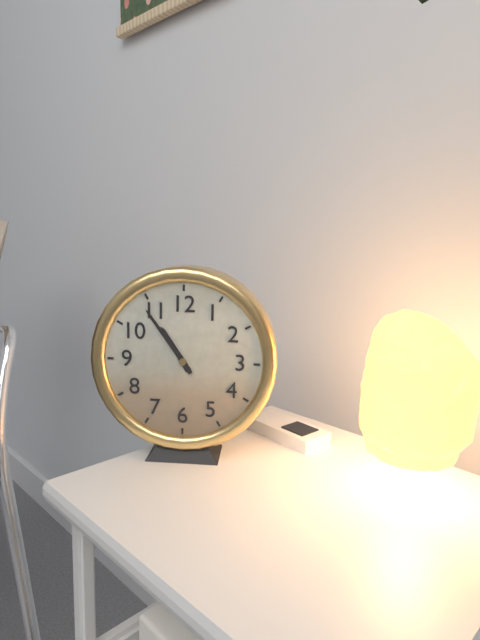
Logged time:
10h54
